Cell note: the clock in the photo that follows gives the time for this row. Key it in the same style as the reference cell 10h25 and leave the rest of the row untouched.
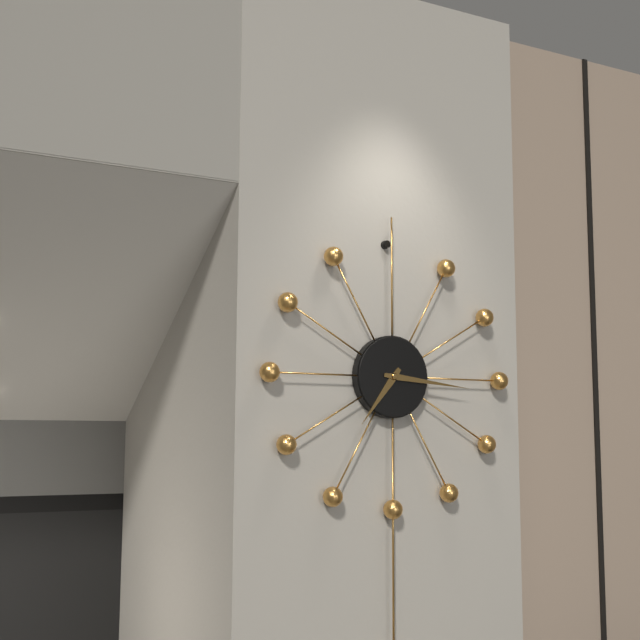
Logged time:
7h16
